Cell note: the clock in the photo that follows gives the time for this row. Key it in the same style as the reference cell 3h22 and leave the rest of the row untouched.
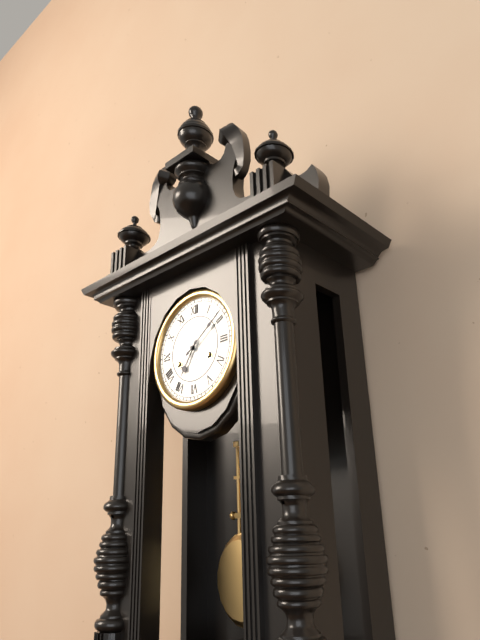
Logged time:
7h09
